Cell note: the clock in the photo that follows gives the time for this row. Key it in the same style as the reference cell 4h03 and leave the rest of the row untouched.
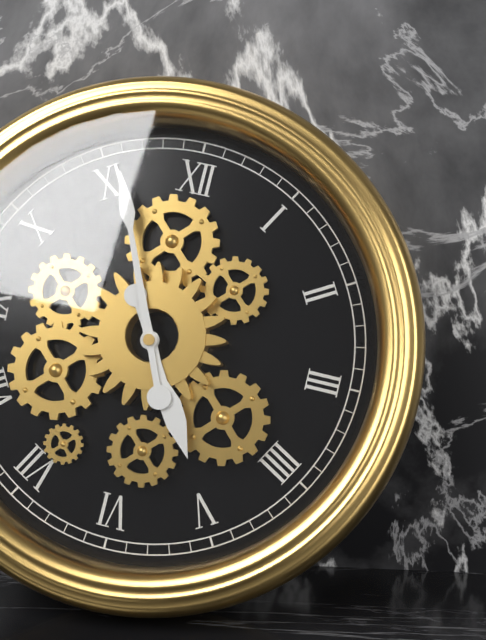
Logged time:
4h56
